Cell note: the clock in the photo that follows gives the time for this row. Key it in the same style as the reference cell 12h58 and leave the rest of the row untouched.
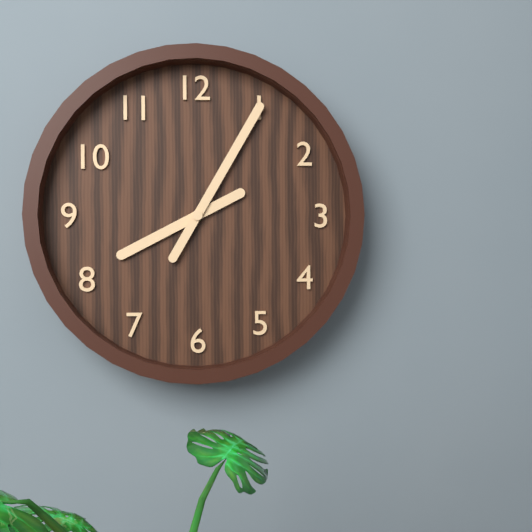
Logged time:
8h05
